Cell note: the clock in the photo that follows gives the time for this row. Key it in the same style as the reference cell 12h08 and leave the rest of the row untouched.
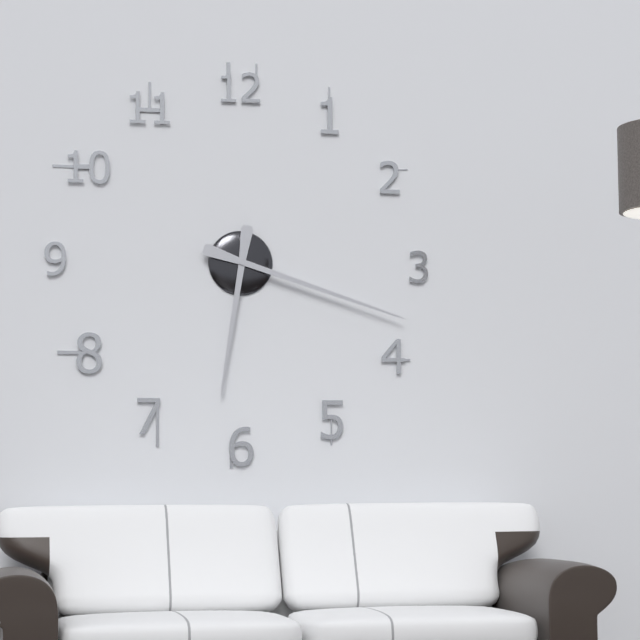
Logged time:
6h18
